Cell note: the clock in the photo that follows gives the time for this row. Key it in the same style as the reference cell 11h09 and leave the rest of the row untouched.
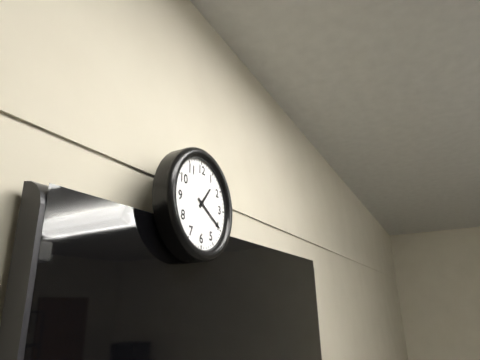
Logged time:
1h20
